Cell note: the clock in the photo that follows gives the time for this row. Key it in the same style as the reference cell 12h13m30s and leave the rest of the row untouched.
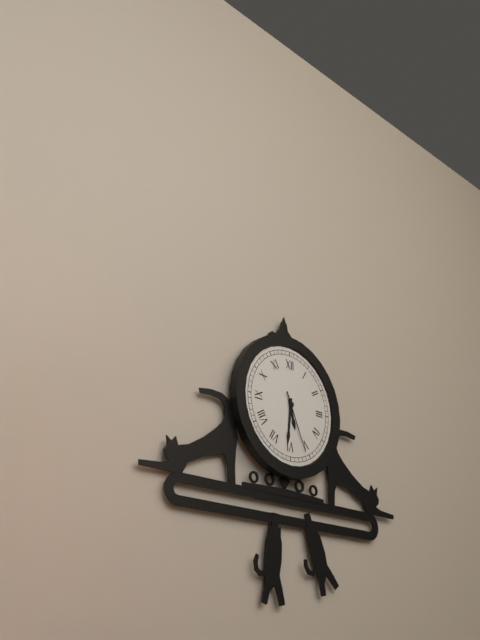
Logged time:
5h31m26s
